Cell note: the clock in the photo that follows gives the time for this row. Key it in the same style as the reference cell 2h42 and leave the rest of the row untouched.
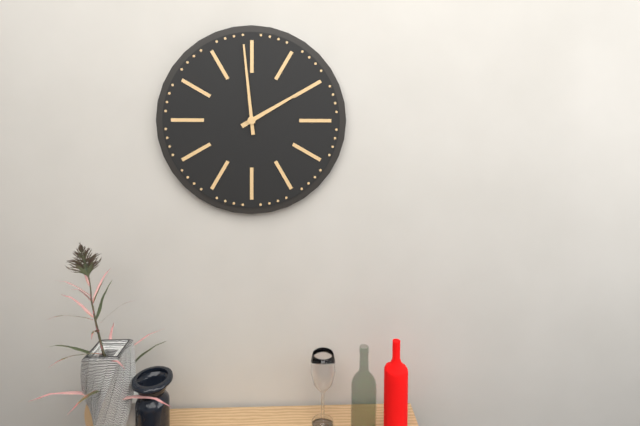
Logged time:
1h59
